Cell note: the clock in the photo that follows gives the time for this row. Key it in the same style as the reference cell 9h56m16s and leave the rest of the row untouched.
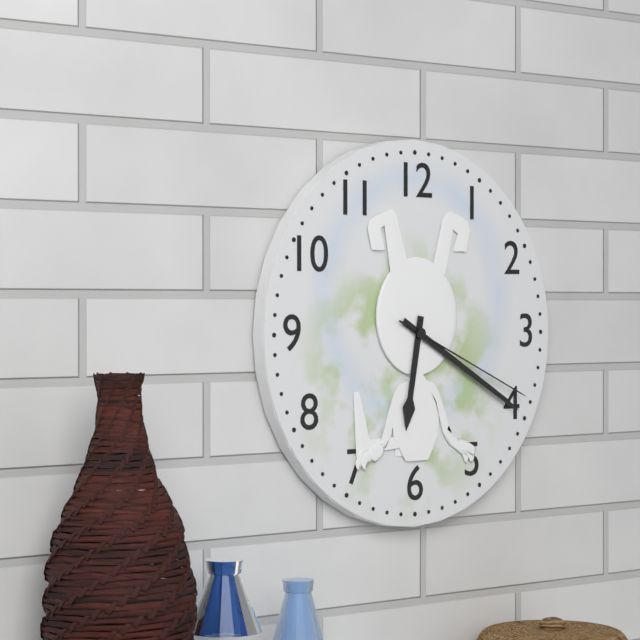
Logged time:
6h20m19s
